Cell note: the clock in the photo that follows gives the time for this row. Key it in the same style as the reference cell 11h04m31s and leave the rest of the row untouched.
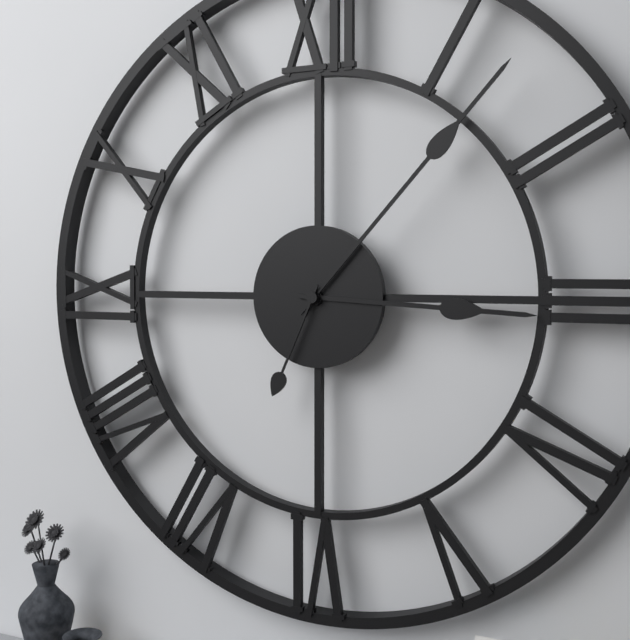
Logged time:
3h07m34s
